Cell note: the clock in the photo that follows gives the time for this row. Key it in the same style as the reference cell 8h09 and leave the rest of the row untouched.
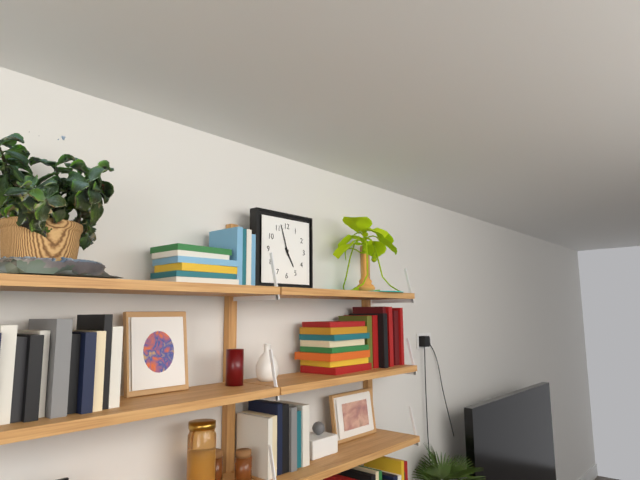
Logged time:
4h57
